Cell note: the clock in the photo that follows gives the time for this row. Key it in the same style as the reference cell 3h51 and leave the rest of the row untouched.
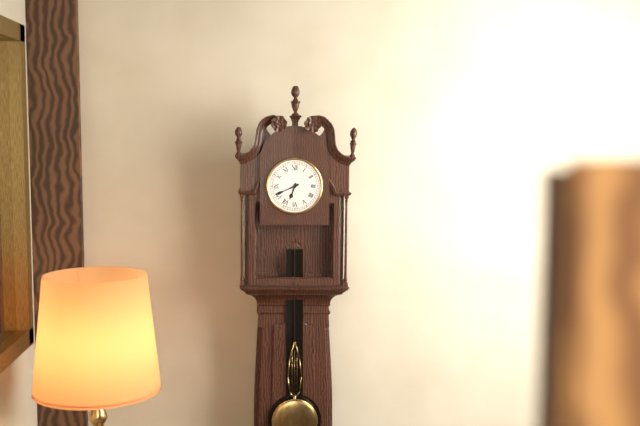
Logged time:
6h41
